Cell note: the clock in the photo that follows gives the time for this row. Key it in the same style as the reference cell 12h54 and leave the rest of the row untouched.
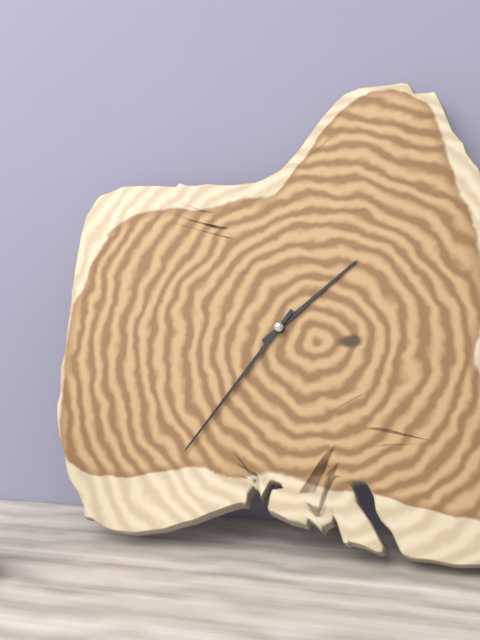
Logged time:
1h36
